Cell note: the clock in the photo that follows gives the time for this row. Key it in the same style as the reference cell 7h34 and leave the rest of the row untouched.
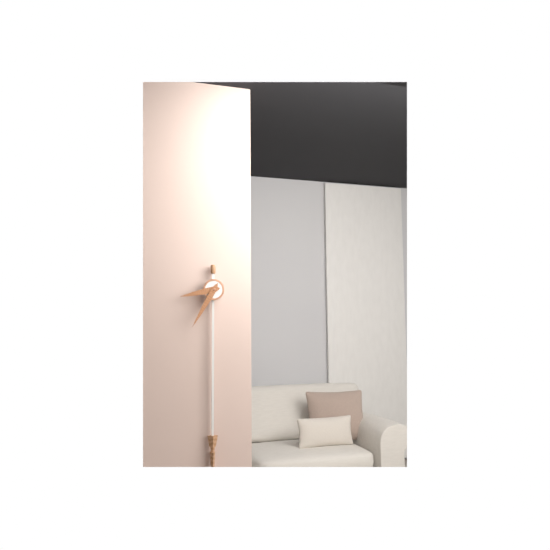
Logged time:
8h35
